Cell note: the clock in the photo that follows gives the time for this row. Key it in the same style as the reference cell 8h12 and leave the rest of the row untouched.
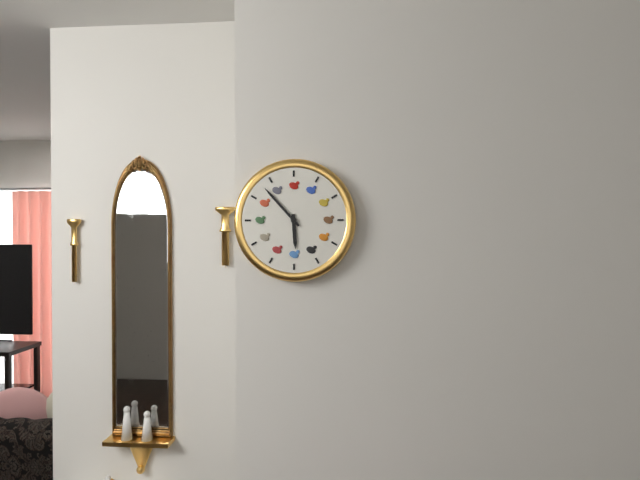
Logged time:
5h53
